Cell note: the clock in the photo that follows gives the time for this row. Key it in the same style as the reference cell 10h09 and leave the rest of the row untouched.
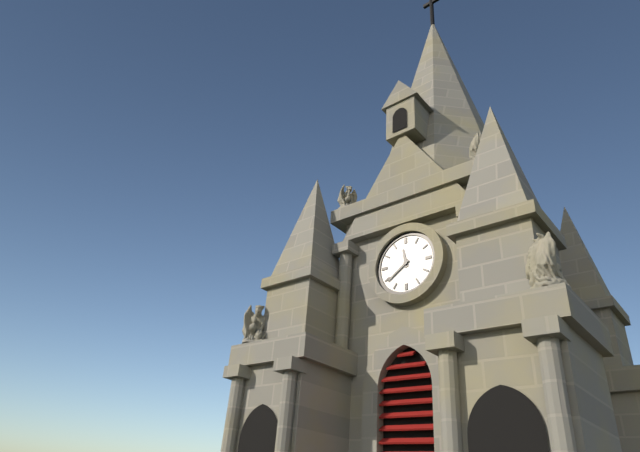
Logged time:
11h39
